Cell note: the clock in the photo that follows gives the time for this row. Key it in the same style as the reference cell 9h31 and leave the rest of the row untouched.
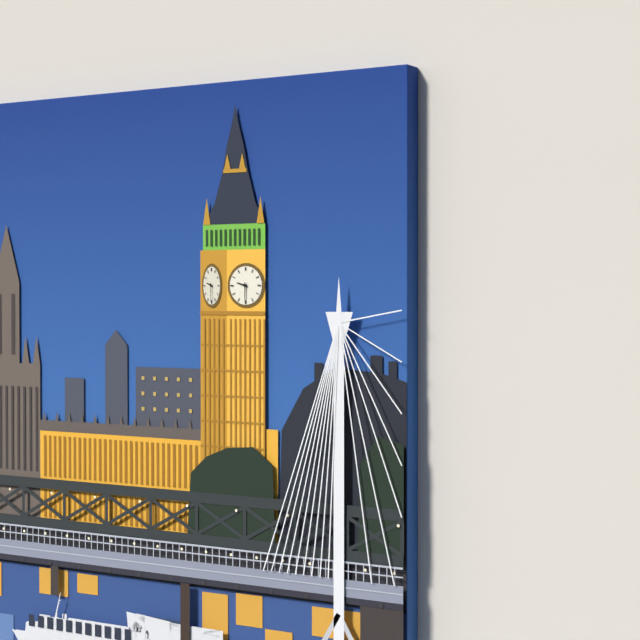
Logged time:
9h30
